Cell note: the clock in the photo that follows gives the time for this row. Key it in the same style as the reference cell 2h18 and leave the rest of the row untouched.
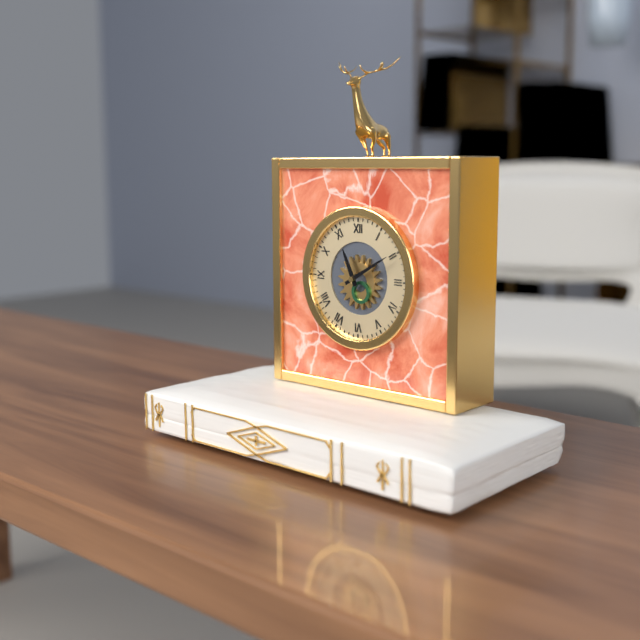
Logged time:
11h10
